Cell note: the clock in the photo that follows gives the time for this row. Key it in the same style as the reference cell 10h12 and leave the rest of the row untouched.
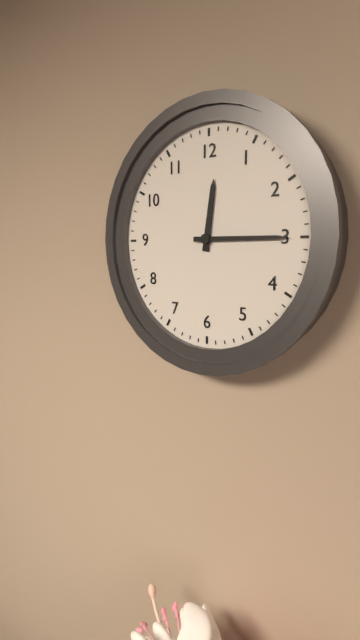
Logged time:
12h15
